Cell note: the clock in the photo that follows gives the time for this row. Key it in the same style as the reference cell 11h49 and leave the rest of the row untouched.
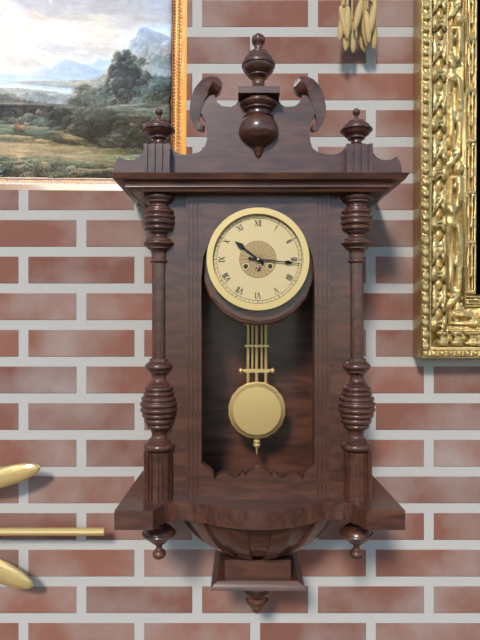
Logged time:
10h16
